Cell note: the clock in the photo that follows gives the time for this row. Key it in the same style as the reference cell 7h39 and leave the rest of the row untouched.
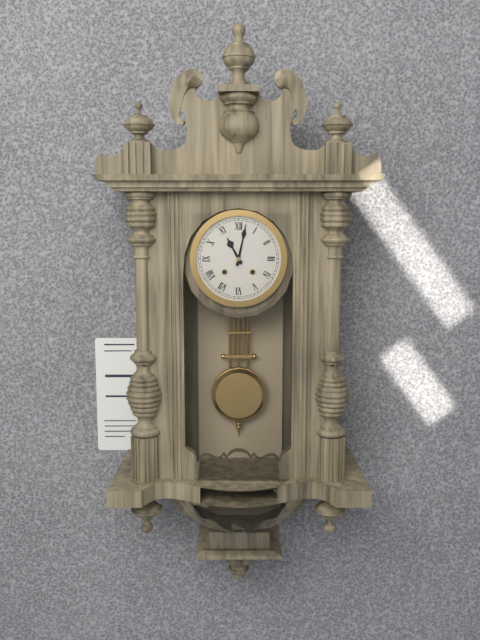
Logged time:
11h02
